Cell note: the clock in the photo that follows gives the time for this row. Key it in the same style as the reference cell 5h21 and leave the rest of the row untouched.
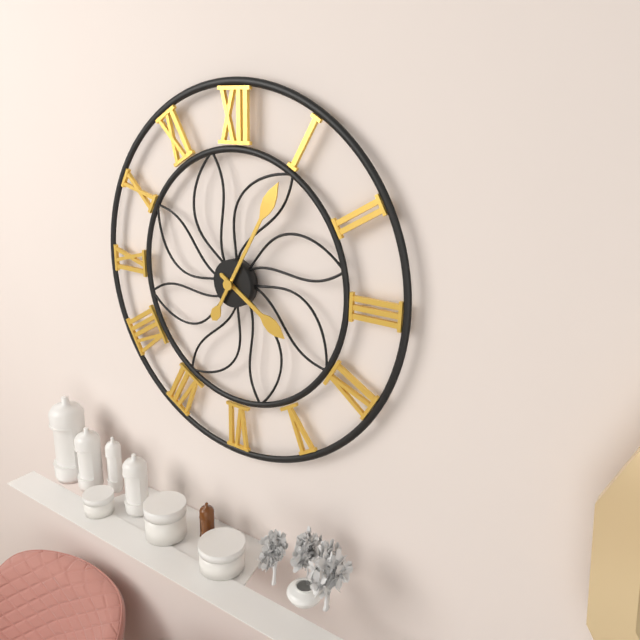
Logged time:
4h05
